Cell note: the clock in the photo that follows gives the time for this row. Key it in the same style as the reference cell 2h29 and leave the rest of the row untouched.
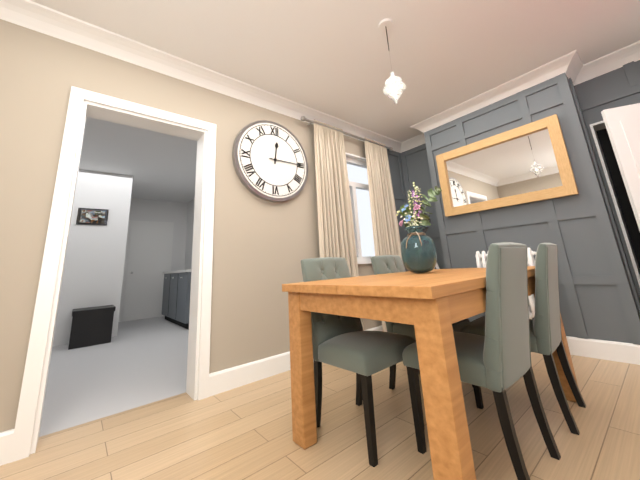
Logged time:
12h15
